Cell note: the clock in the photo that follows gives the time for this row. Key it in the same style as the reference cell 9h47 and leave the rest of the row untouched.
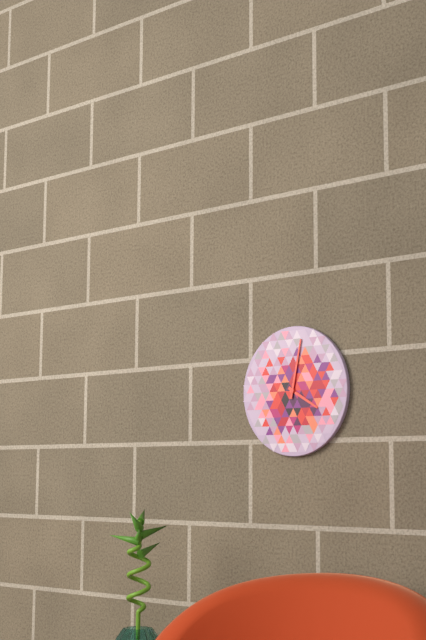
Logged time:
4h02
